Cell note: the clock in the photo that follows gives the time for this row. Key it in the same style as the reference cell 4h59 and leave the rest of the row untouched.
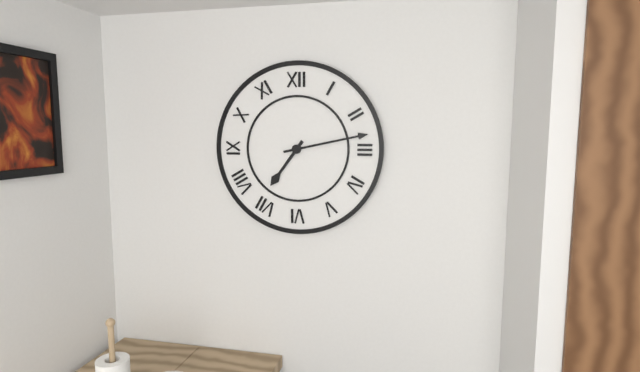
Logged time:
7h13
